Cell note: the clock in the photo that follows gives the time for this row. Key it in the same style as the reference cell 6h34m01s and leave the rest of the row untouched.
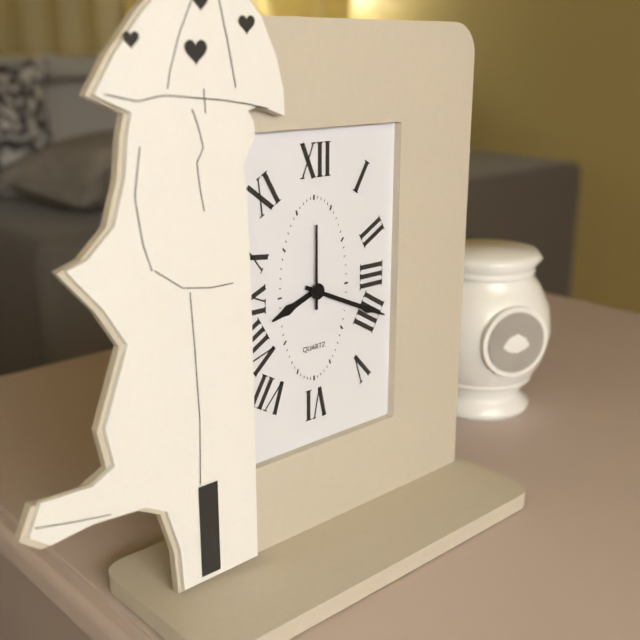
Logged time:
8h19m00s
